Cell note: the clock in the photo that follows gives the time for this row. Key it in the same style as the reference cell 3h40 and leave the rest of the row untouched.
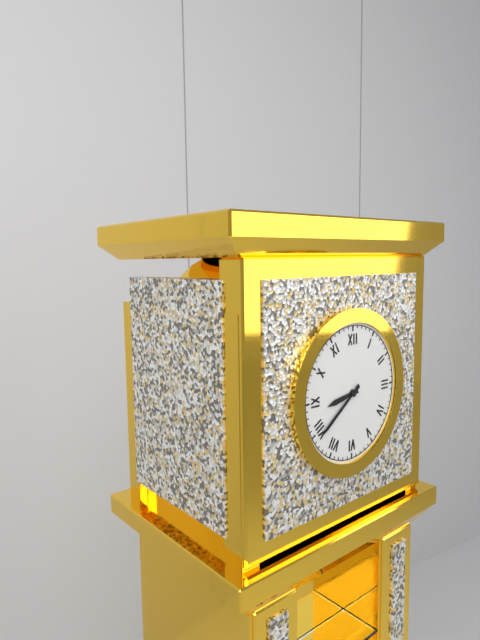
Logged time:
8h39
